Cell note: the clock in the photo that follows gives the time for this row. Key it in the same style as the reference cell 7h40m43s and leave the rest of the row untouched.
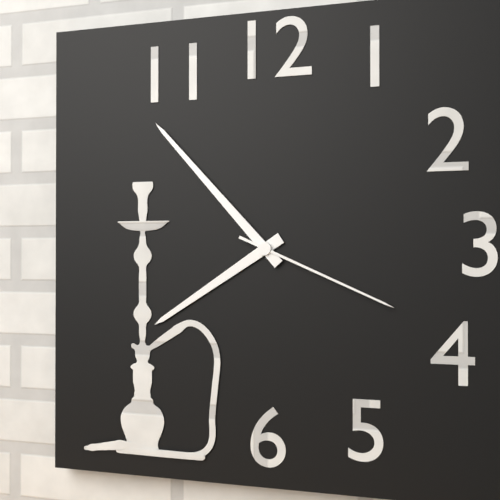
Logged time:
7h53m19s
